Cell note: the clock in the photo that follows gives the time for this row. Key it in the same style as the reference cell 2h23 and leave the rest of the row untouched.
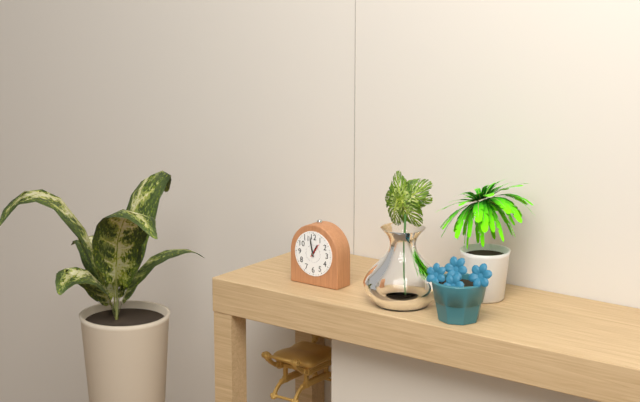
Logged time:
12h58
